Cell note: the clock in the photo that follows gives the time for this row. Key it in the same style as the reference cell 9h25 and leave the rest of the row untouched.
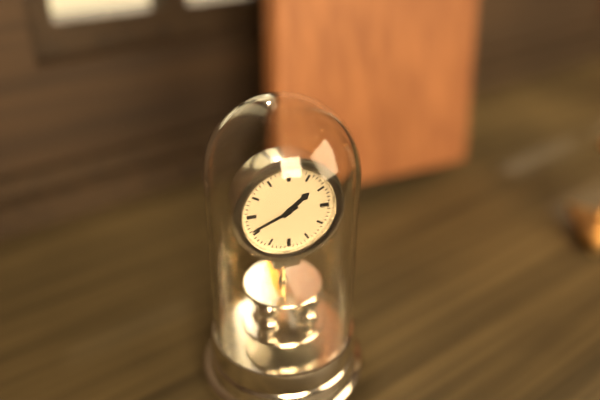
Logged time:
1h41
